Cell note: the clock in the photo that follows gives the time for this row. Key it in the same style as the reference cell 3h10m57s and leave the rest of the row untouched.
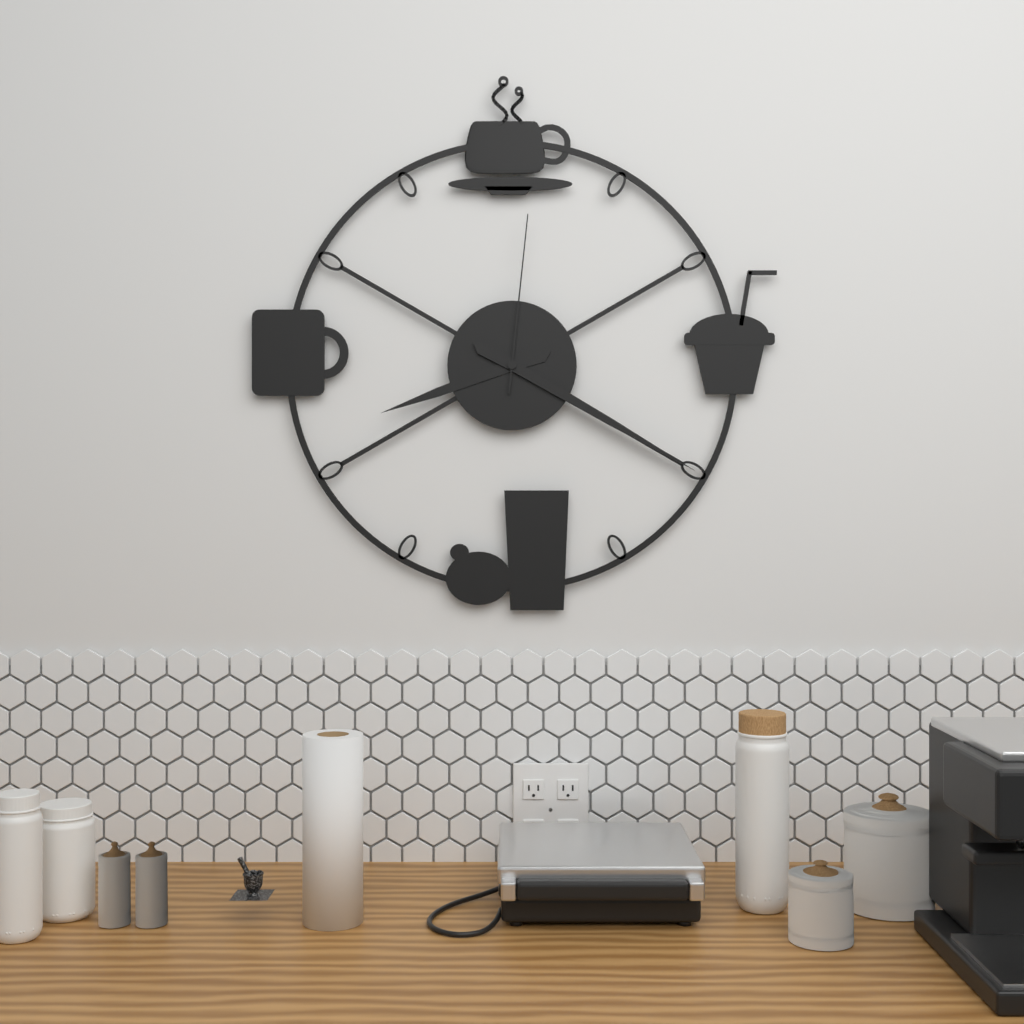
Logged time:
8h20m01s
